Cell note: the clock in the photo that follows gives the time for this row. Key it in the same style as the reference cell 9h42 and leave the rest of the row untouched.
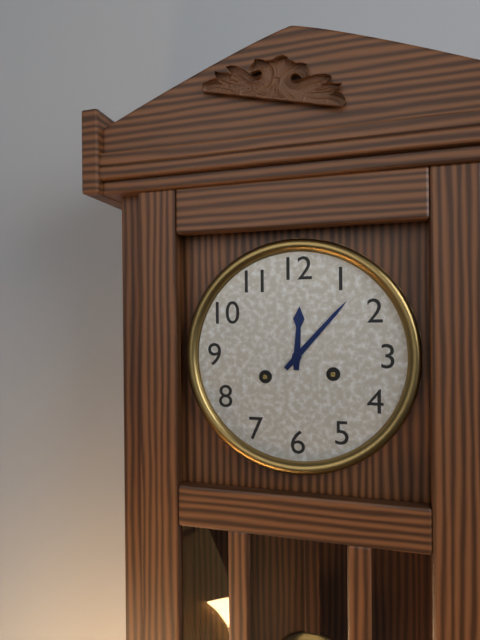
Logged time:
12h07
